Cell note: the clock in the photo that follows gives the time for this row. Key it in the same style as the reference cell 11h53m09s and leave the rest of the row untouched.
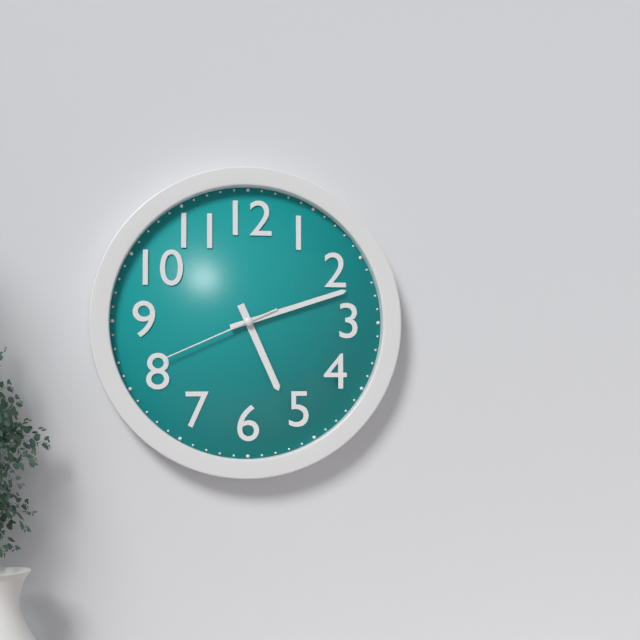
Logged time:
5h12m41s
